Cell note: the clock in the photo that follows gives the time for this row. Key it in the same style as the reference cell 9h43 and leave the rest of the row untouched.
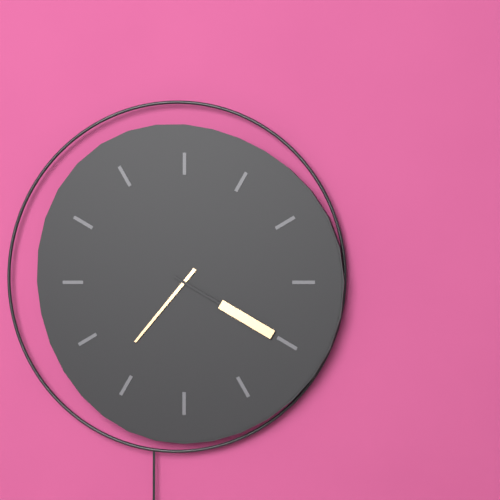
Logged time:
7h20
